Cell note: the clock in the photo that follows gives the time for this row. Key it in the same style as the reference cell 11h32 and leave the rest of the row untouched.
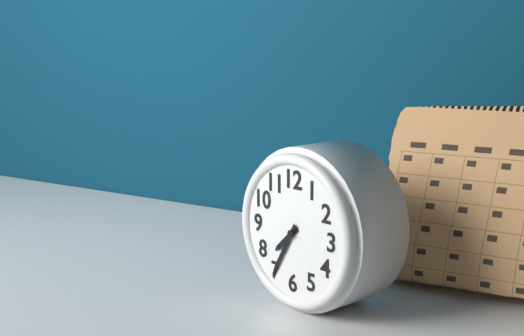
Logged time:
7h35
